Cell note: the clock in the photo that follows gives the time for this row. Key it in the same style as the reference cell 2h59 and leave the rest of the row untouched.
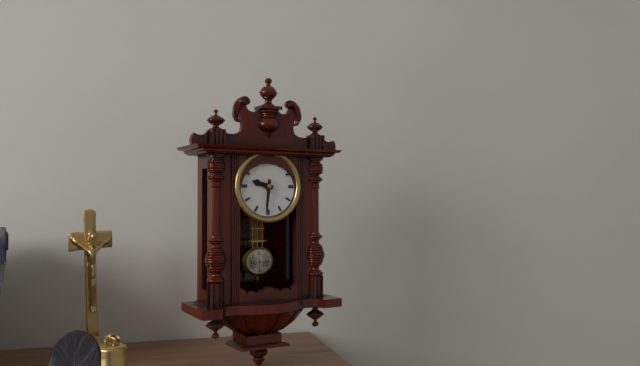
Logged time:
9h31
